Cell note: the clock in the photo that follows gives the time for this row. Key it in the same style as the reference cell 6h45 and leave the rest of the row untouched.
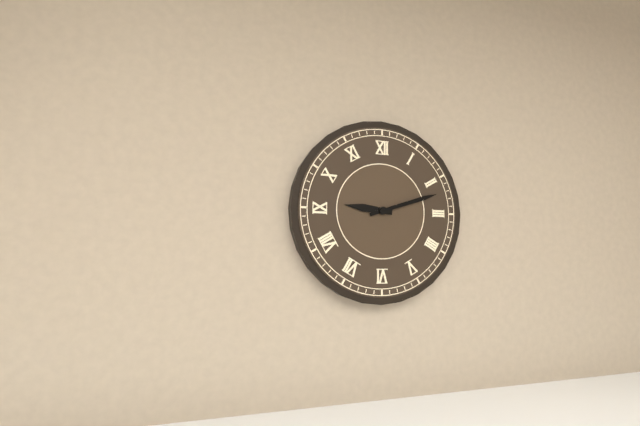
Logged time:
9h12
